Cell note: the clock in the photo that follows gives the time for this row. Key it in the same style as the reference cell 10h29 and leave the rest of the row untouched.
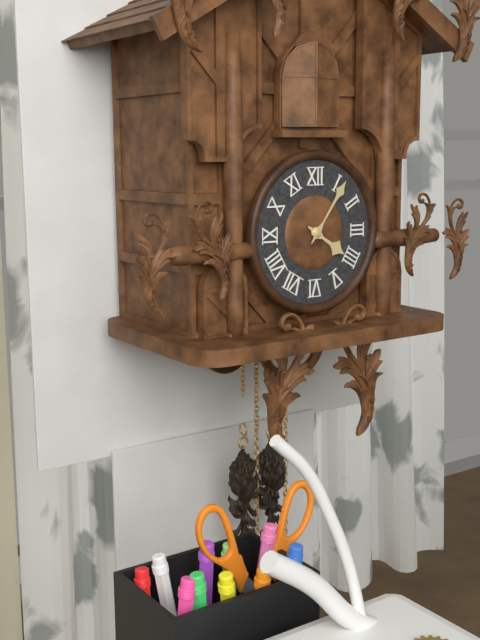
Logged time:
4h06
